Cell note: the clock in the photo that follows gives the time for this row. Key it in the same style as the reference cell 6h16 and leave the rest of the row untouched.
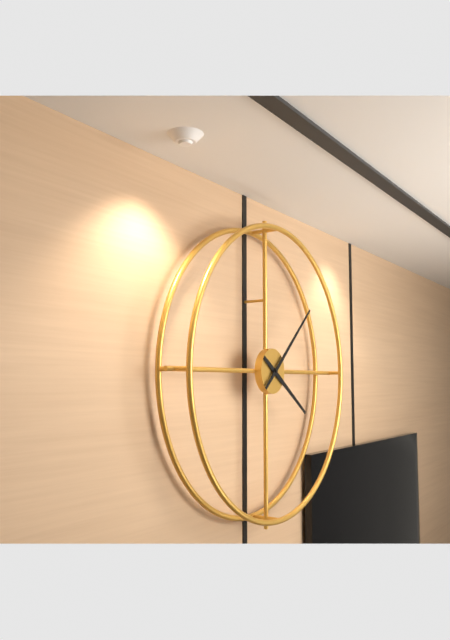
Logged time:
4h08
